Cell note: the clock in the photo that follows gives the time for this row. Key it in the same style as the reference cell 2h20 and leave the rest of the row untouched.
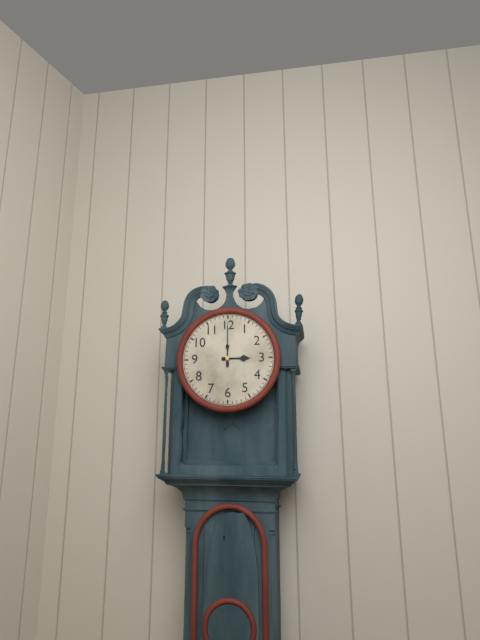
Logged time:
3h00
